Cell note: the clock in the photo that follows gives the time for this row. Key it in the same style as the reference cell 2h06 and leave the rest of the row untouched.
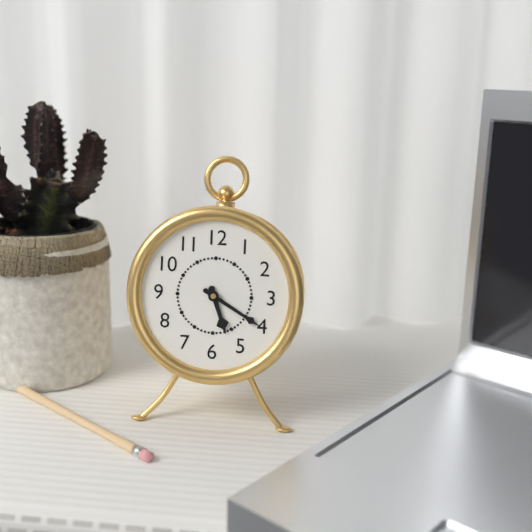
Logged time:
5h20
